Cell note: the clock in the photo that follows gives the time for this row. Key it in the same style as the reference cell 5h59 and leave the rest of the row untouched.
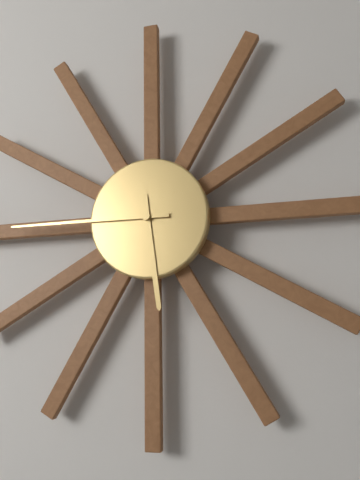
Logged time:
5h45
